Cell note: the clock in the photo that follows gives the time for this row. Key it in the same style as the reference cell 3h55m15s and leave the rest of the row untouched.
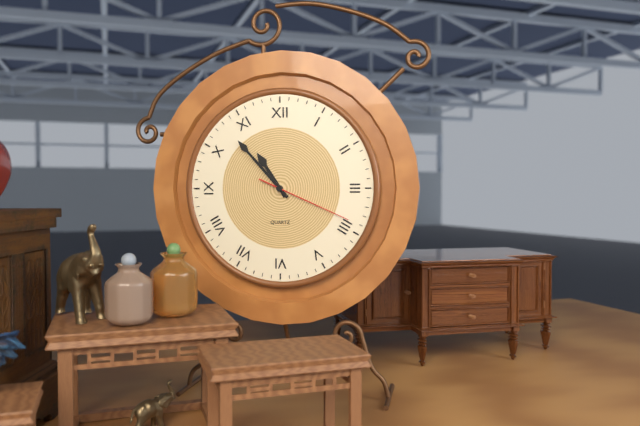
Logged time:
10h53m19s
